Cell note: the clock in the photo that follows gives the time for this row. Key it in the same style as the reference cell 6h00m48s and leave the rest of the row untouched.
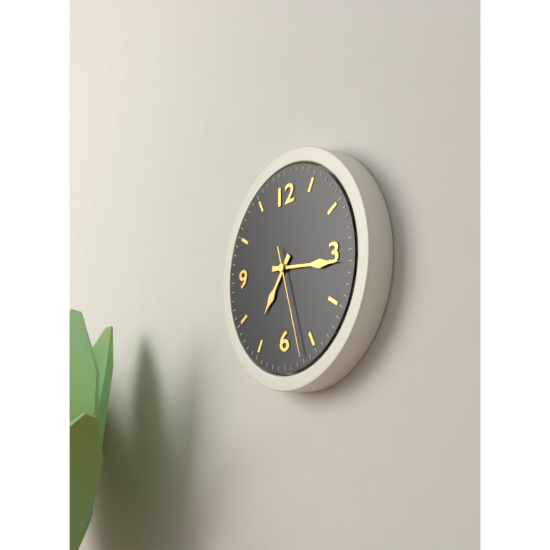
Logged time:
7h16m27s
